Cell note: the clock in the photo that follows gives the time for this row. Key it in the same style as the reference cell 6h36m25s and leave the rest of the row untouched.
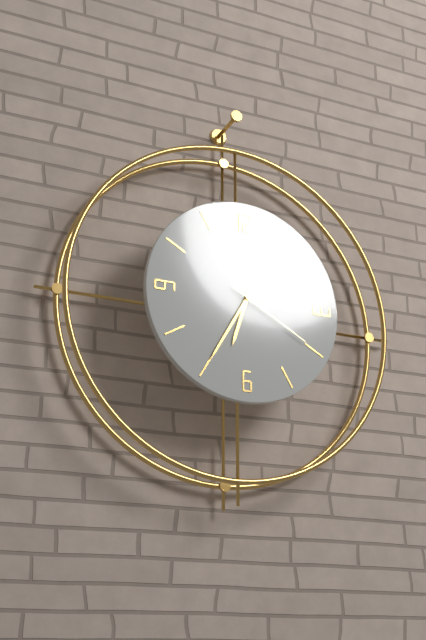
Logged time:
6h35m20s
